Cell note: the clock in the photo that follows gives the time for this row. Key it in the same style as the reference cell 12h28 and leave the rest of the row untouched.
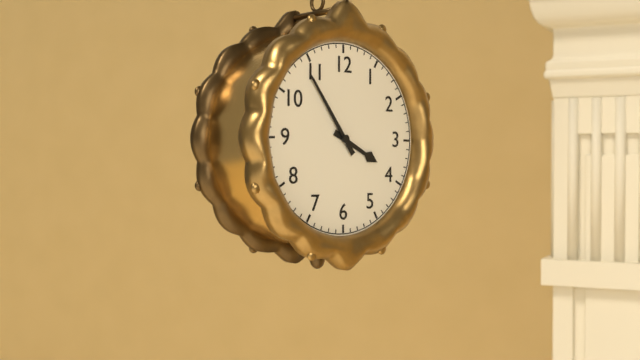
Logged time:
3h54
